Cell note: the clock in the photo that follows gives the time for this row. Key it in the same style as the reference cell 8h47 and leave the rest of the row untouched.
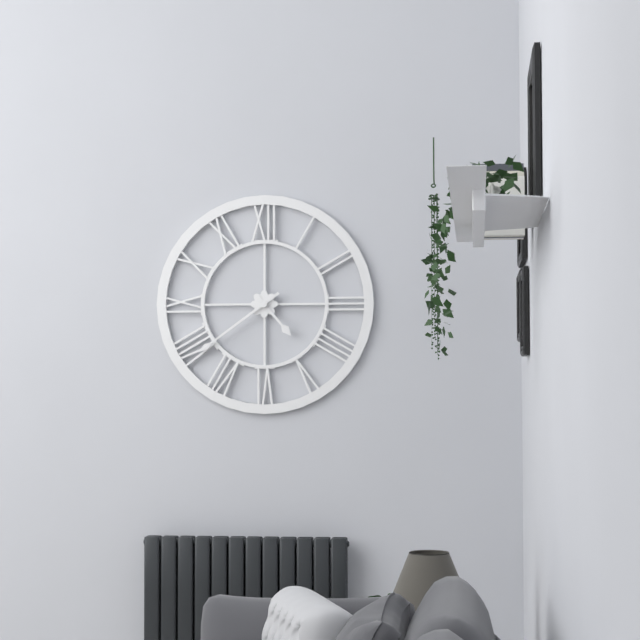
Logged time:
4h39
